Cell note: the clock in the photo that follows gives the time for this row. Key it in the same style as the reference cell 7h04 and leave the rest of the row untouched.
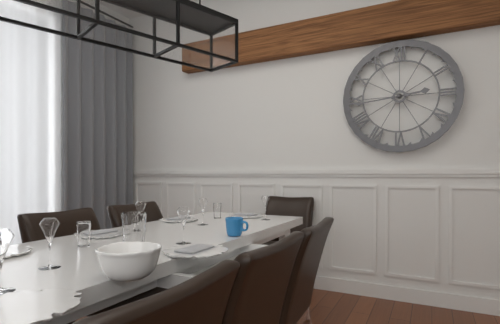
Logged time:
2h44
